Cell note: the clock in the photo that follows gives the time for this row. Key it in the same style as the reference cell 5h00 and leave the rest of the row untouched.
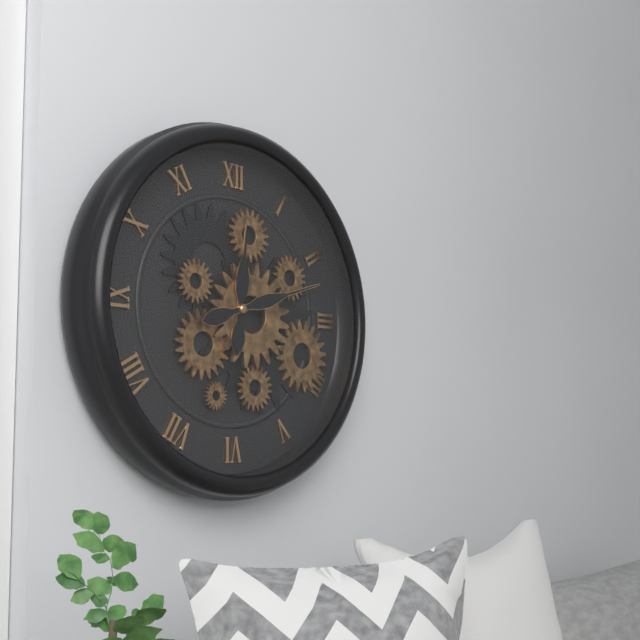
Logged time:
12h12
